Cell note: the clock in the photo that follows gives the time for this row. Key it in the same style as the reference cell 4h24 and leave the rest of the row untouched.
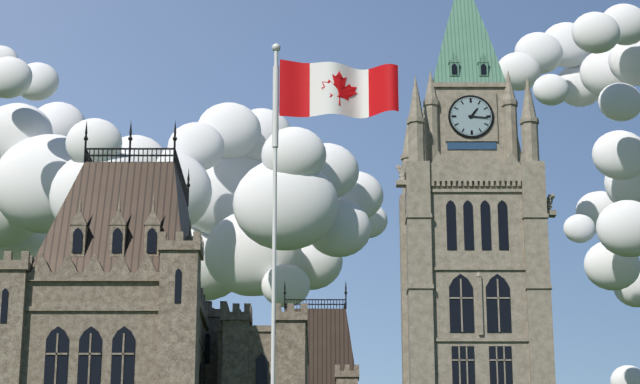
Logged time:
1h16
